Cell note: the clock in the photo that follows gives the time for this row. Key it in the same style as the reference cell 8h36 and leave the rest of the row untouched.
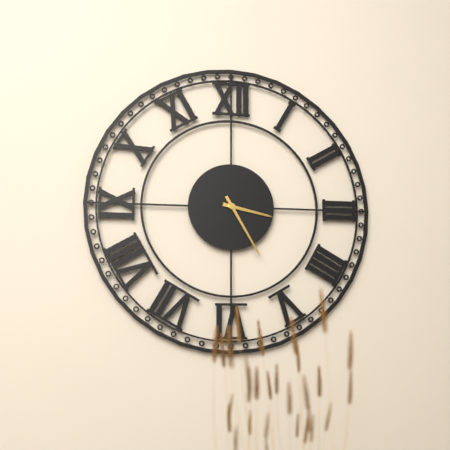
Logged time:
3h25
